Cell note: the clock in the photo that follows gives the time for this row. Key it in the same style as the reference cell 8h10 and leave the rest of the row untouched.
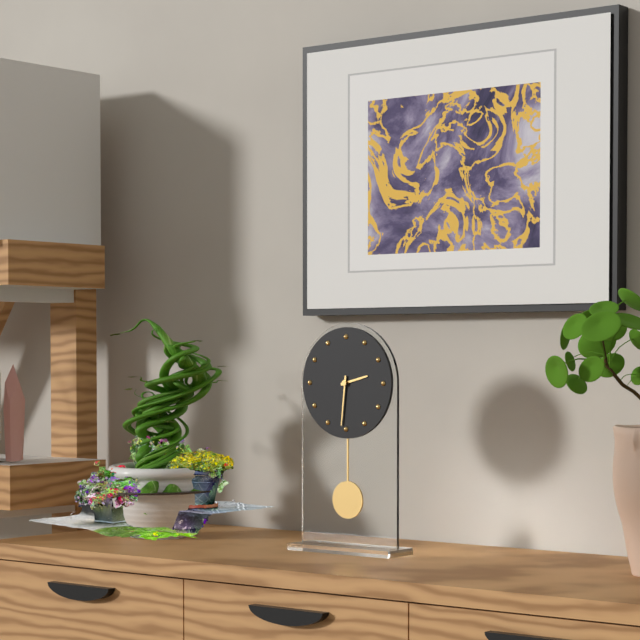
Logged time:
2h31
